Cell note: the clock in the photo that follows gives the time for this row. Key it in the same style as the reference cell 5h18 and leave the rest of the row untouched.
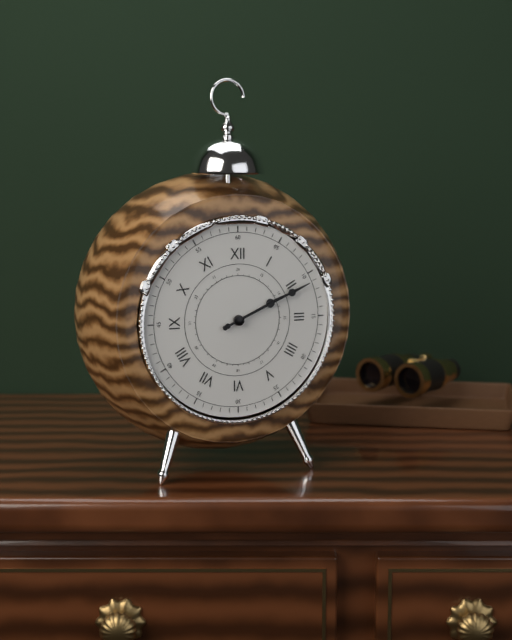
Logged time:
2h11
